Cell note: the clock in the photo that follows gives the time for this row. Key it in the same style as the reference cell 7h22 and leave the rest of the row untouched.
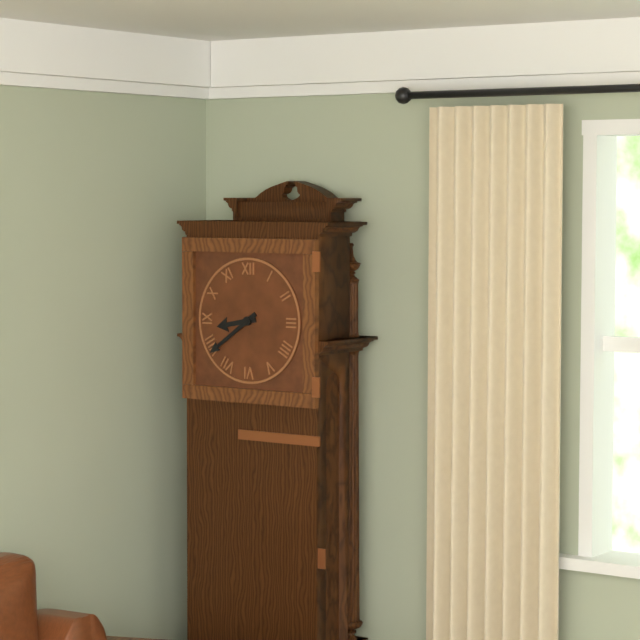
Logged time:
8h39
